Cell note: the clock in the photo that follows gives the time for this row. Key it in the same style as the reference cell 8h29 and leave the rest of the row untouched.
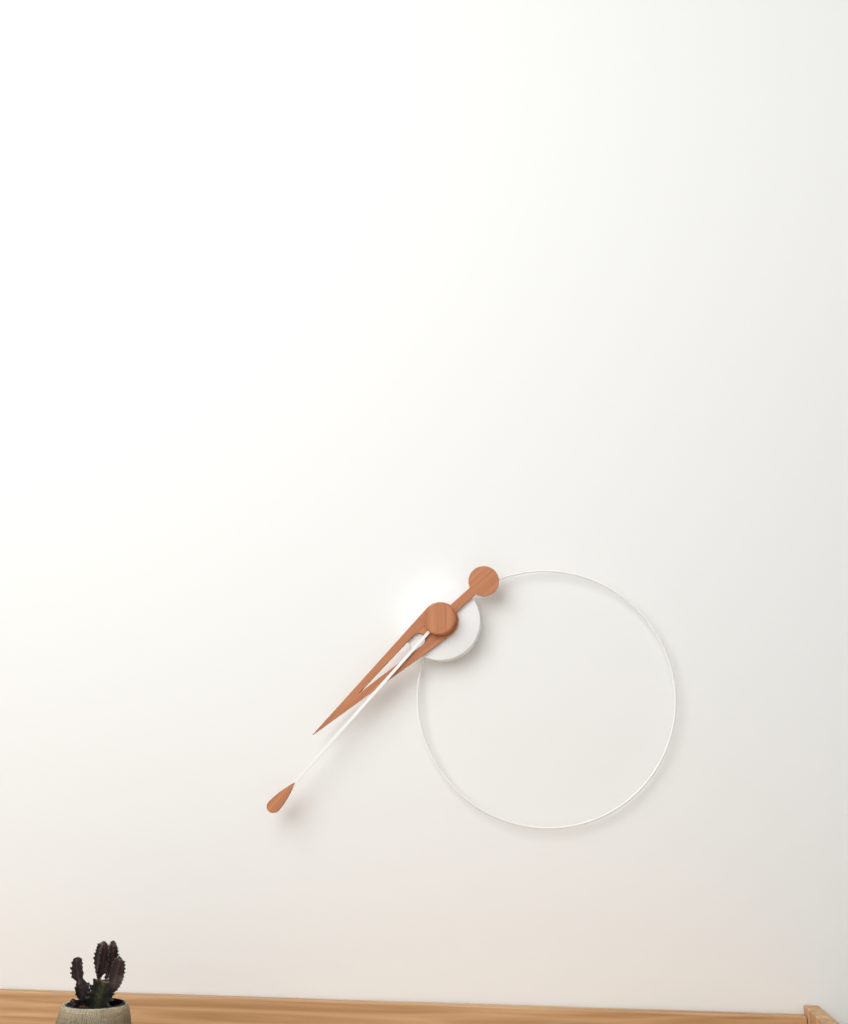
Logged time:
7h37
